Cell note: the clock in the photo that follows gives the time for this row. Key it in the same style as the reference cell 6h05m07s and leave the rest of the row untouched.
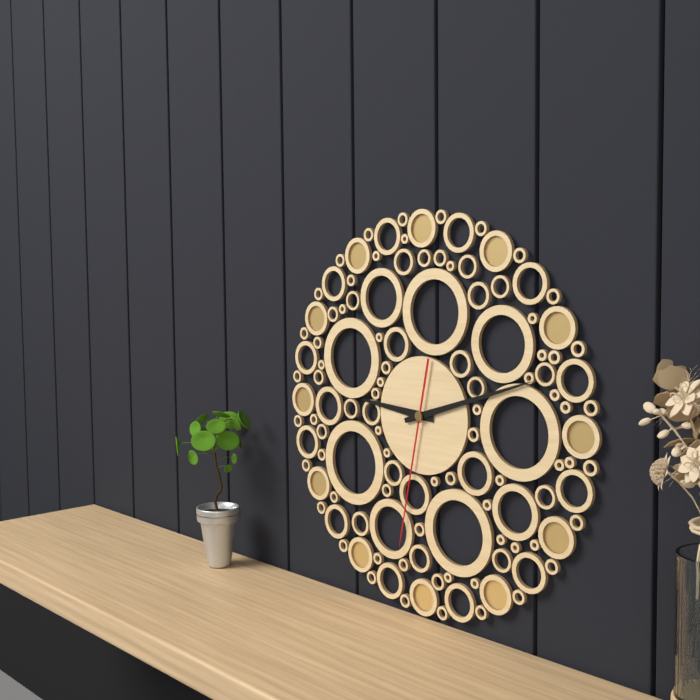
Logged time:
9h12m32s
